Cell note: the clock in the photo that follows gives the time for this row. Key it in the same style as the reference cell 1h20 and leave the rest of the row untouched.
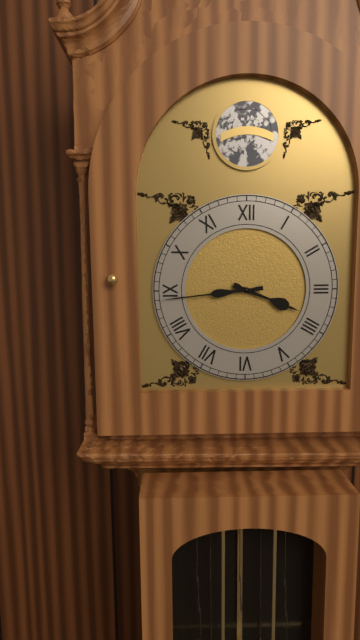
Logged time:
3h44
